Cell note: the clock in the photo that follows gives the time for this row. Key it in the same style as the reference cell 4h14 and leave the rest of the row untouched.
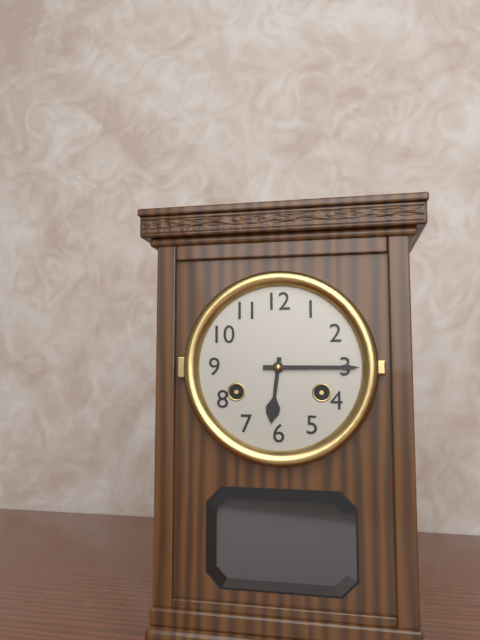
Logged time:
6h15
